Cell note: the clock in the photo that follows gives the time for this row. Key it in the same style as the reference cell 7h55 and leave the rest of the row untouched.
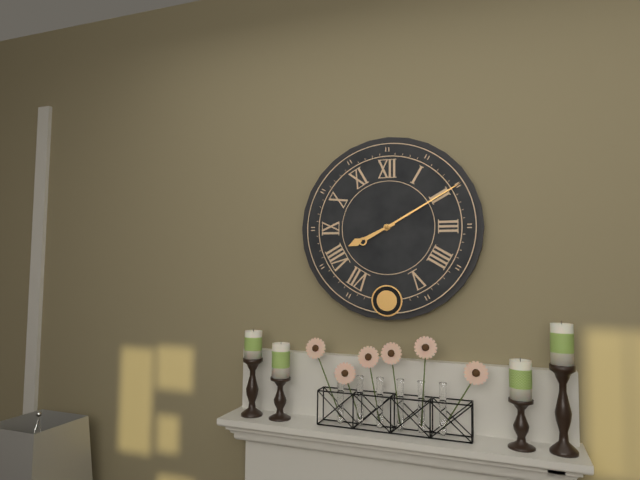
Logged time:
8h10
